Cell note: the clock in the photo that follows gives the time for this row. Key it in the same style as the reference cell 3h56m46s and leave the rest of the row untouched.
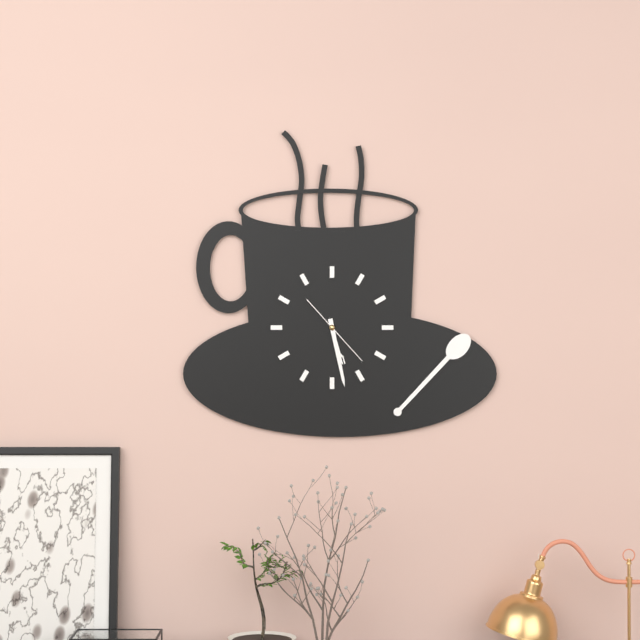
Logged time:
5h28m23s
